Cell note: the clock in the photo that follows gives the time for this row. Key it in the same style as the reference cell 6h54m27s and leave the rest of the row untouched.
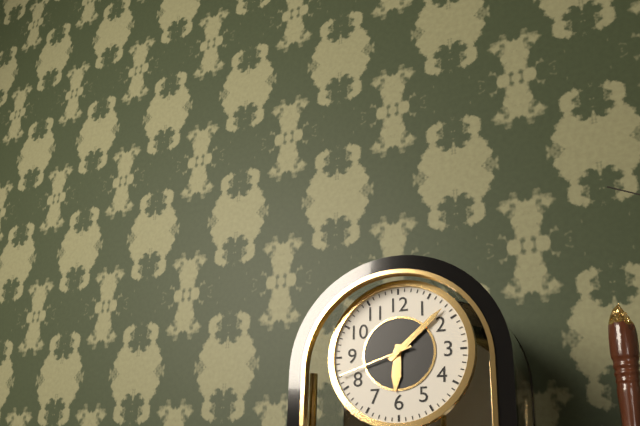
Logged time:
6h08m42s
